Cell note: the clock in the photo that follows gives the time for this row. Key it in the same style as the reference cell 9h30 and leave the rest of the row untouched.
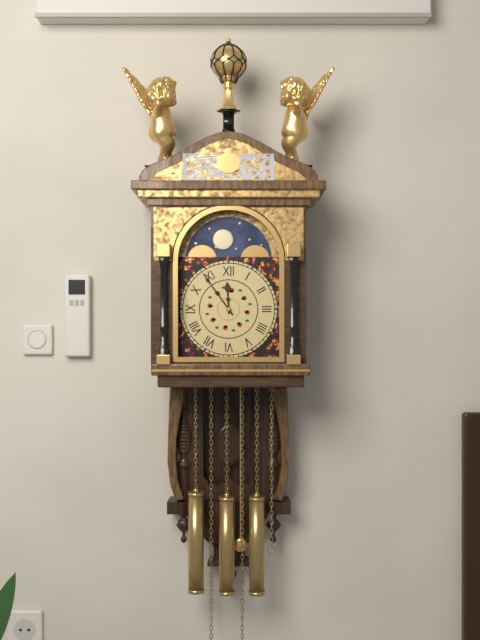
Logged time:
11h54
